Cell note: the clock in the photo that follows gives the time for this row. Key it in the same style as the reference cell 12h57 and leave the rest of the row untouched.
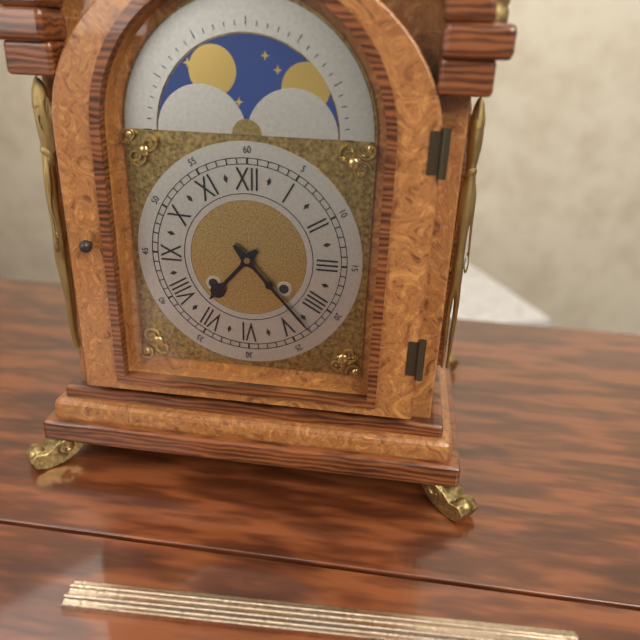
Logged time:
7h23
